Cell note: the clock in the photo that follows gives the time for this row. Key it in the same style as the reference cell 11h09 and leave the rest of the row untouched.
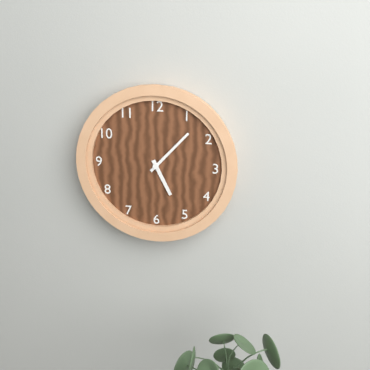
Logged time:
5h07
